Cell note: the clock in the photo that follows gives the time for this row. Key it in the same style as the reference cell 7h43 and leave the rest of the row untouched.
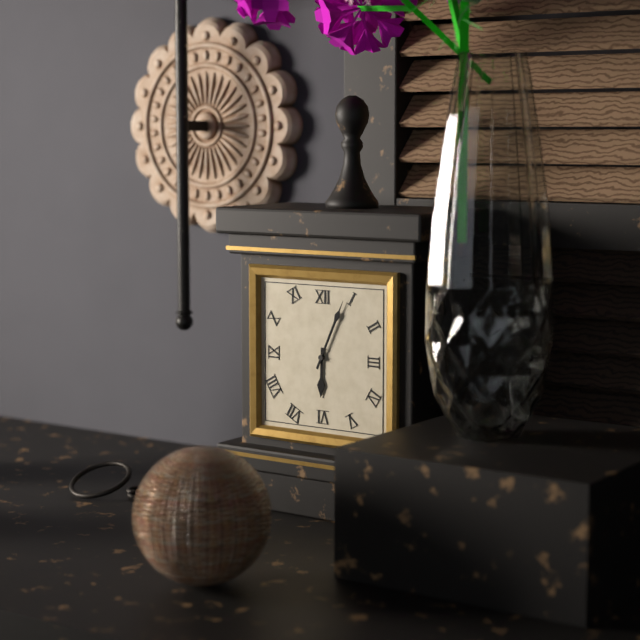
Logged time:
6h04
